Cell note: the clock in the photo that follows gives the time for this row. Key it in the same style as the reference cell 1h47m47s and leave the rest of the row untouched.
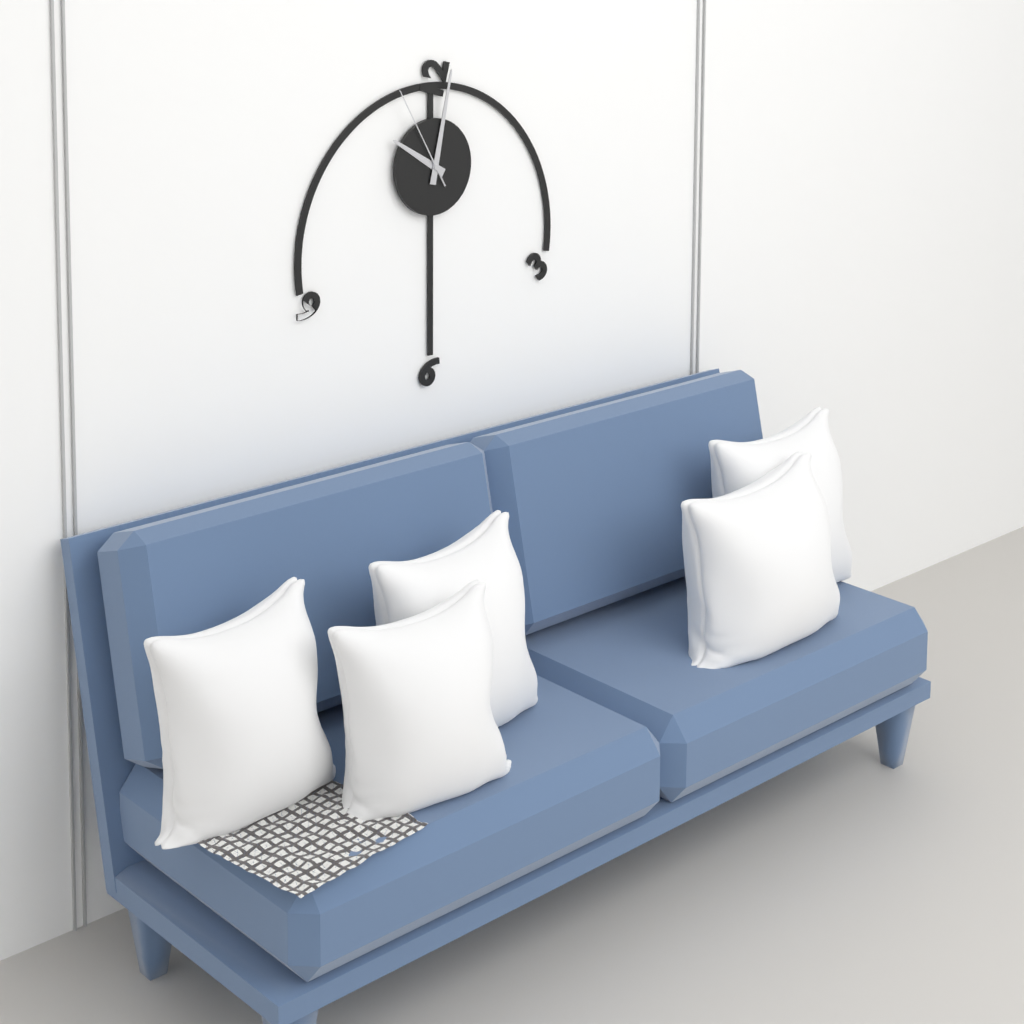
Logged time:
10h02m55s
